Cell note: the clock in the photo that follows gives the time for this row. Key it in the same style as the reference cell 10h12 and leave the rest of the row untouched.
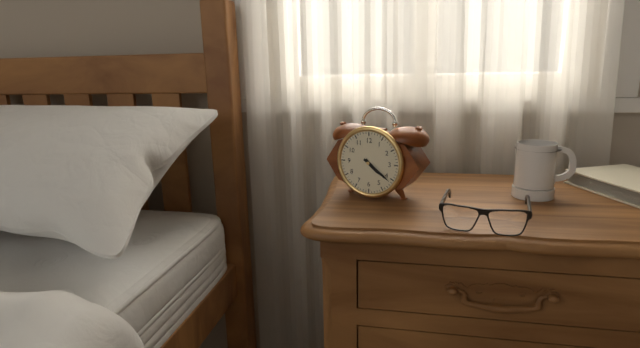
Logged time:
4h21
